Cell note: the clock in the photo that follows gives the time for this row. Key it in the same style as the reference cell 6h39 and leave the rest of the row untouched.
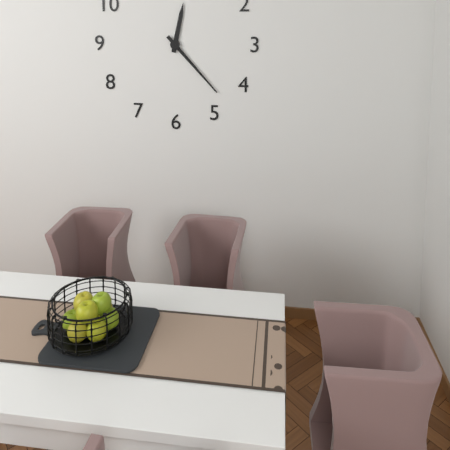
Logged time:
12h23
